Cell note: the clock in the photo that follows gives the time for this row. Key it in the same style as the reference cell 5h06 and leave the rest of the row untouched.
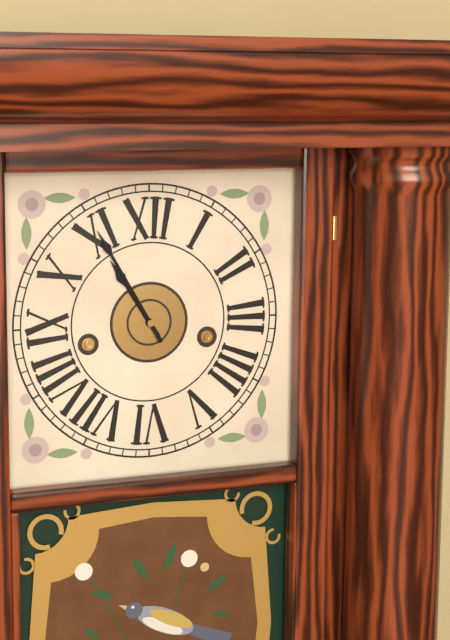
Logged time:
10h55
